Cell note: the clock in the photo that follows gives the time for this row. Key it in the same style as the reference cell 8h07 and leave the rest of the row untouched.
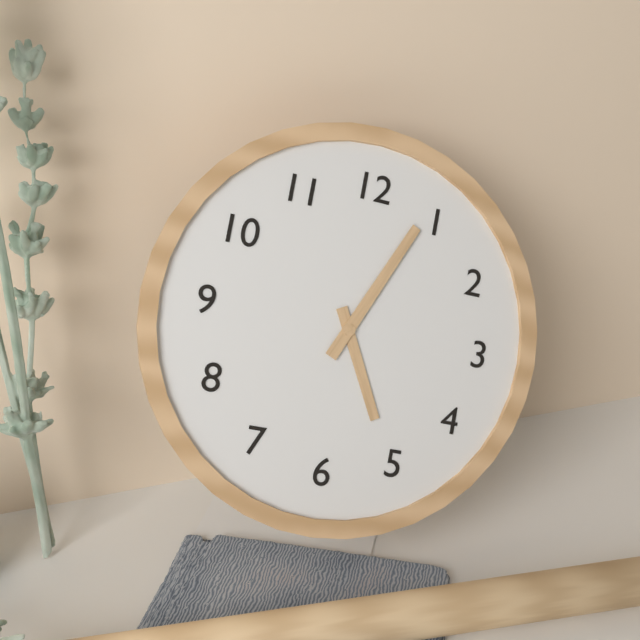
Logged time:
5h04
